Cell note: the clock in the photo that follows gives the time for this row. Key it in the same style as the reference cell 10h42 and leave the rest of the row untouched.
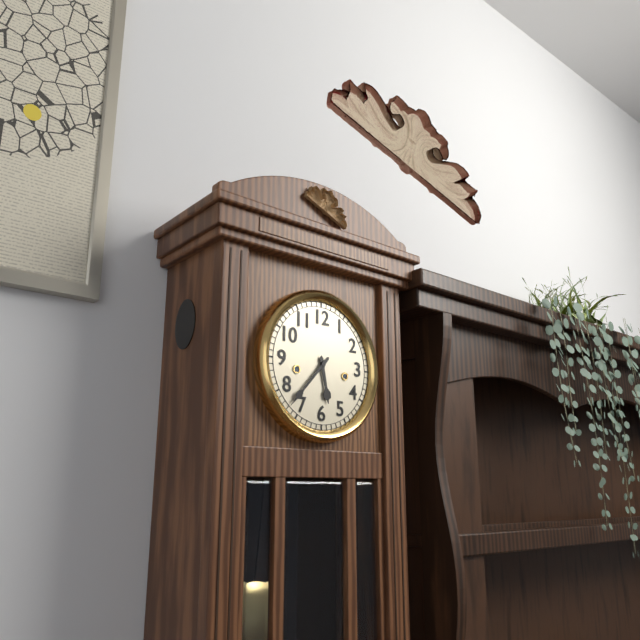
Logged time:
5h37
